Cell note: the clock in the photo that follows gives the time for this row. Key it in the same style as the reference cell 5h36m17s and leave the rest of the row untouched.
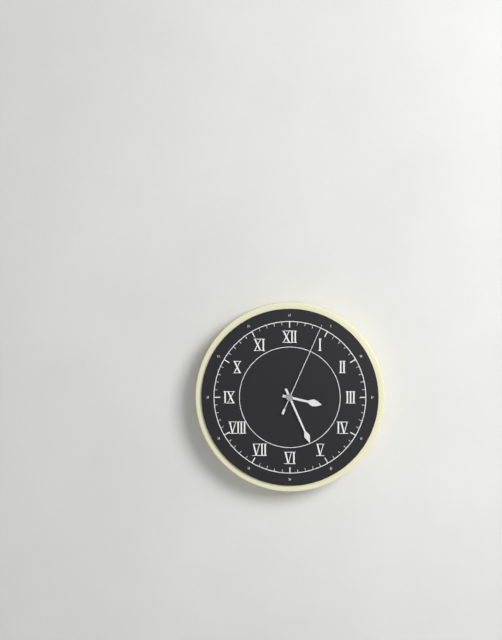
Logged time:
3h26m04s
